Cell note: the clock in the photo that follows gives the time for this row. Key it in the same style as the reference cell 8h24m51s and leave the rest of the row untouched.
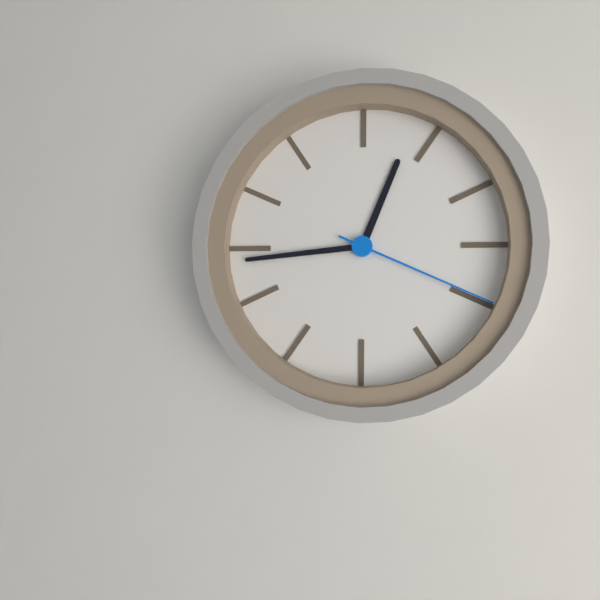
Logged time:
12h44m19s
